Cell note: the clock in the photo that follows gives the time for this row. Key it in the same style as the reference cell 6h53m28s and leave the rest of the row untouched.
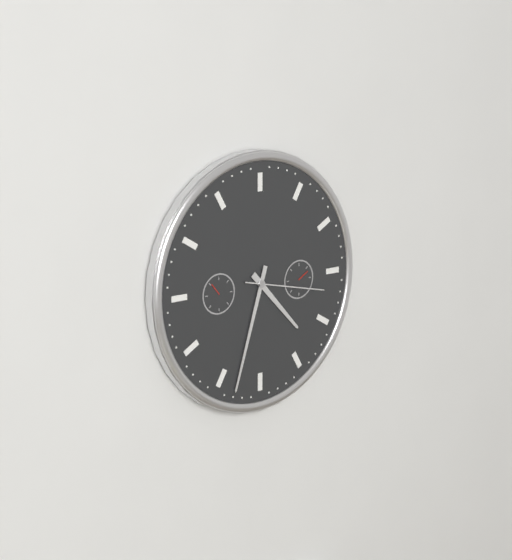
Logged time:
4h33m17s
